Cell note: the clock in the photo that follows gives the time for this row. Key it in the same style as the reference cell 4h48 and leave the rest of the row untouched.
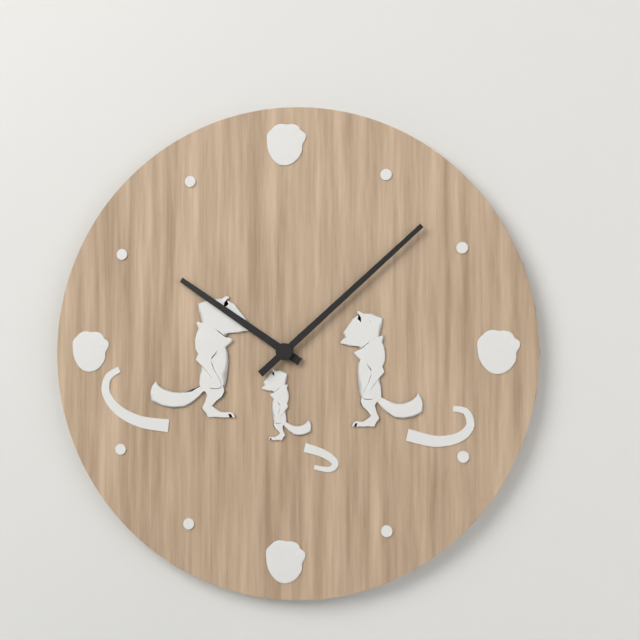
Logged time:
10h08
